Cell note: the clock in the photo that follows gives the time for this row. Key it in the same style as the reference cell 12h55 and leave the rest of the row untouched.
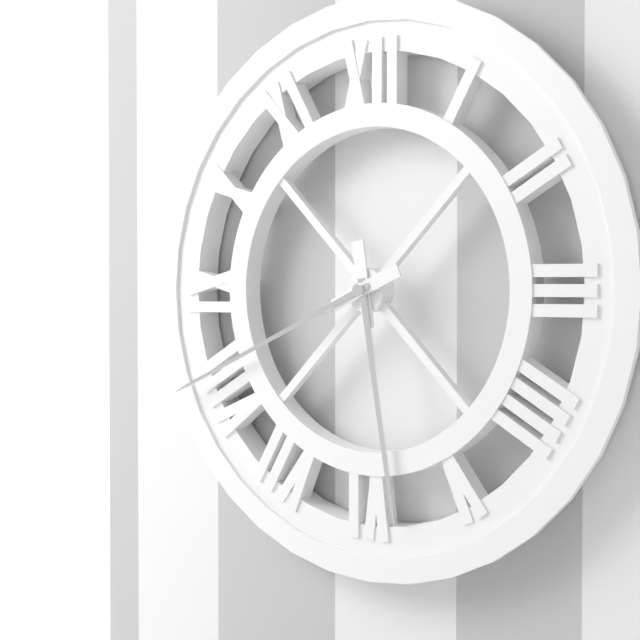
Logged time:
5h41
